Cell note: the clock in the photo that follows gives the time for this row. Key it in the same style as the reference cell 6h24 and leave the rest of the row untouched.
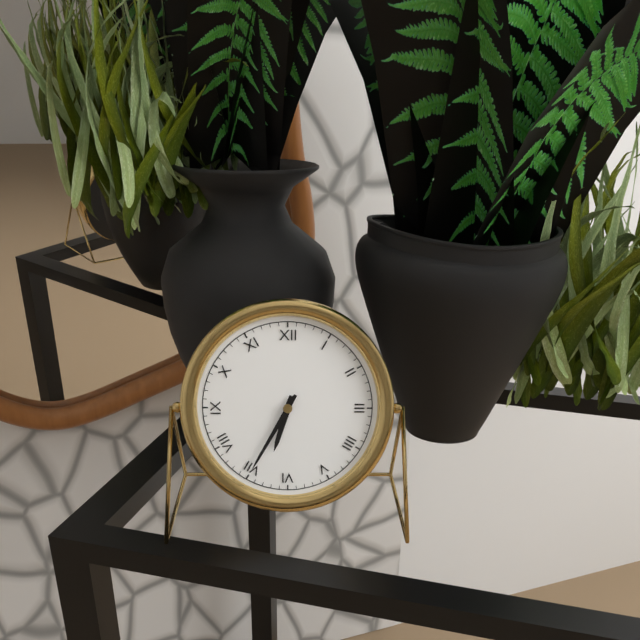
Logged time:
6h35
